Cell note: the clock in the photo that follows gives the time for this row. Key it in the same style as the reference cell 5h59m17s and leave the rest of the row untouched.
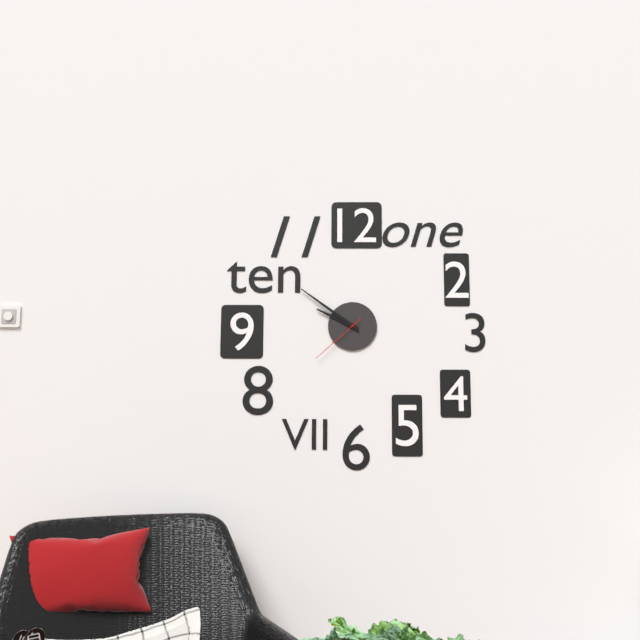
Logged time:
9h51m38s
